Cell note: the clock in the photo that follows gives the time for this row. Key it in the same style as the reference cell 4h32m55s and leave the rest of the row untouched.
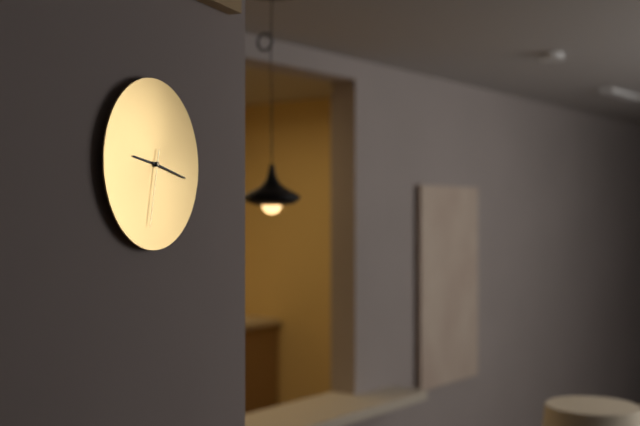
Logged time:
9h17m32s
